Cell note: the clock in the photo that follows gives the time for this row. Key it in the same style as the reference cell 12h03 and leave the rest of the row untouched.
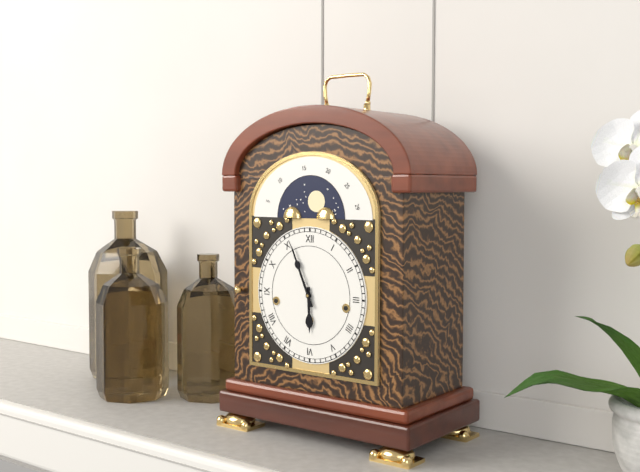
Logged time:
5h56
